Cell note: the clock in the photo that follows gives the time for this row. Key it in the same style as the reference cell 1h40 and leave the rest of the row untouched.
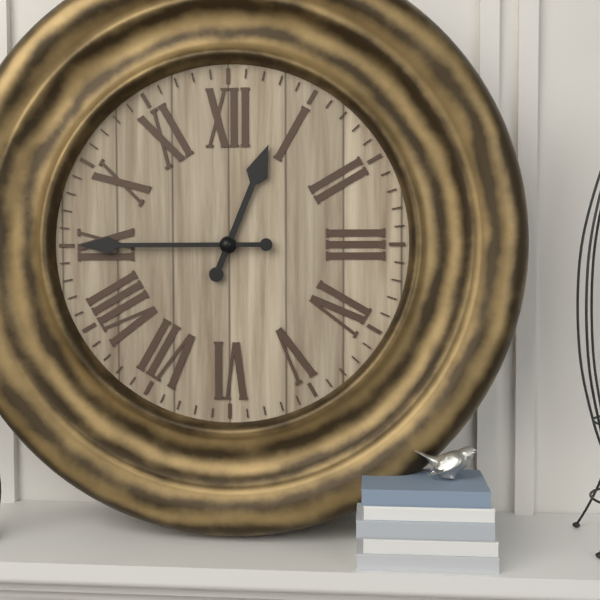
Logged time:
12h45
